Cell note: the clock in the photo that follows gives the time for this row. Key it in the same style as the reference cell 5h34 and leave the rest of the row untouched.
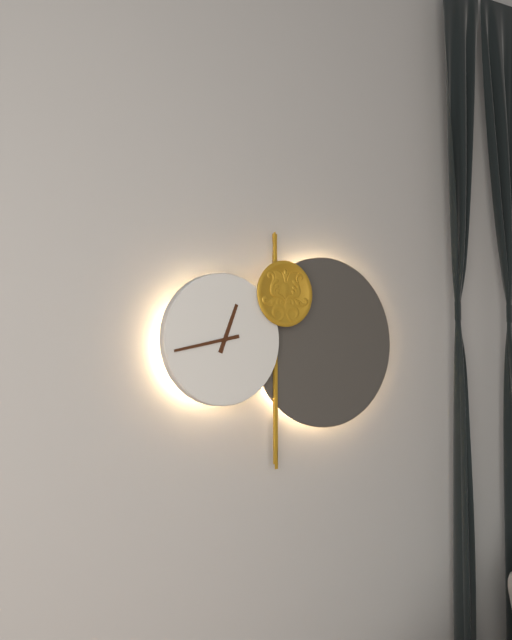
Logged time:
12h43
